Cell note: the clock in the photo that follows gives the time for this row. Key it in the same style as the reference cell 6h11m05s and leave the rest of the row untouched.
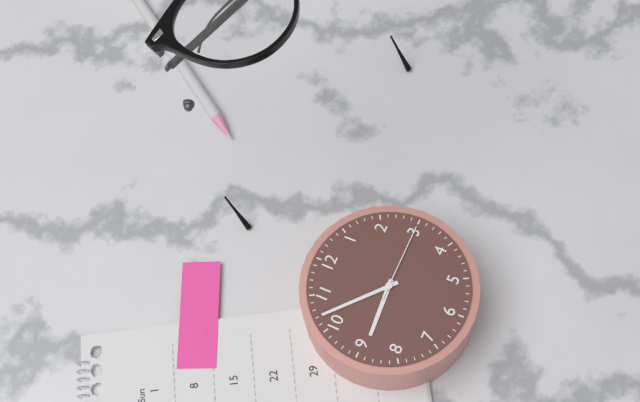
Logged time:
8h52m15s
